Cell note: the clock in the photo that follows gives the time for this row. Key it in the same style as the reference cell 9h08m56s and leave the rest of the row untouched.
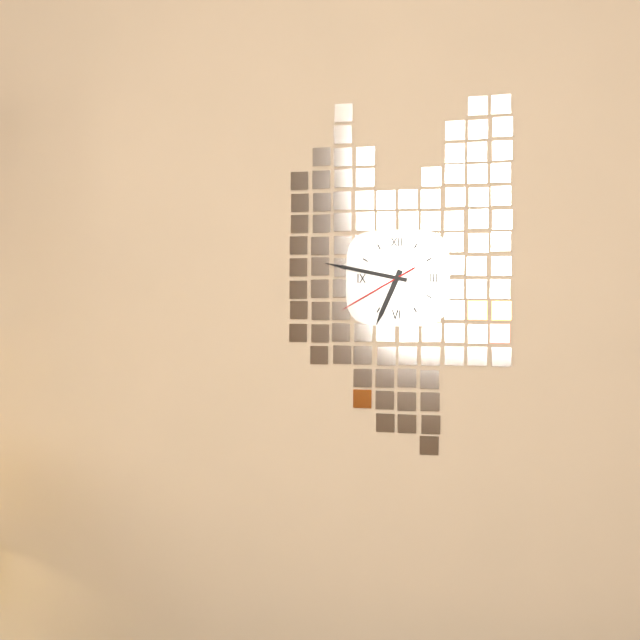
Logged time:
6h47m40s
